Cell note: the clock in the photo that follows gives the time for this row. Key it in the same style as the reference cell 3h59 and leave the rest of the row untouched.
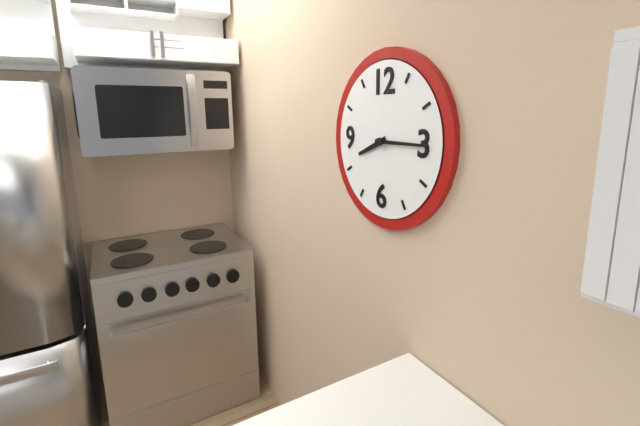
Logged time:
8h15
